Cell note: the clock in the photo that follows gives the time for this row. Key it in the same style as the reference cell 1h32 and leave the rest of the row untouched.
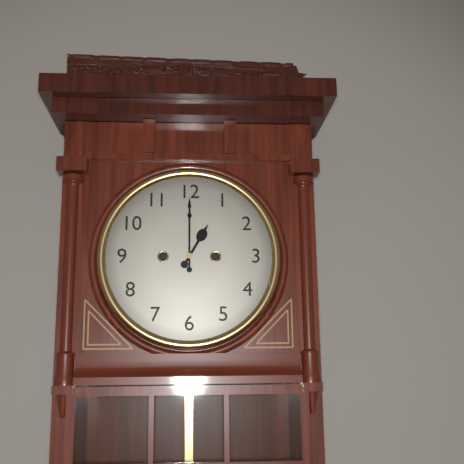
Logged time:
1h00
